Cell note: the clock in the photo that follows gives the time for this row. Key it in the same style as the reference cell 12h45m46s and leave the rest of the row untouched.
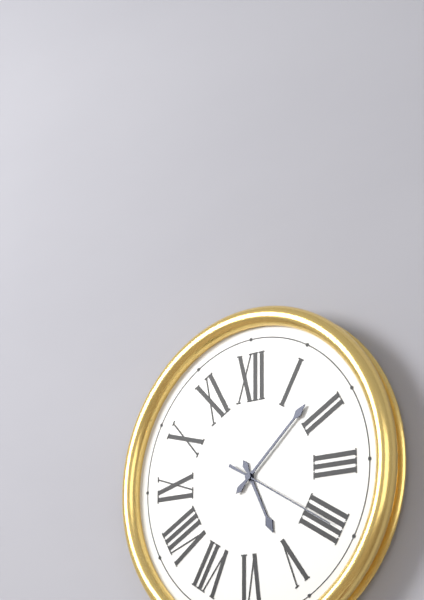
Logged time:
5h08m20s
